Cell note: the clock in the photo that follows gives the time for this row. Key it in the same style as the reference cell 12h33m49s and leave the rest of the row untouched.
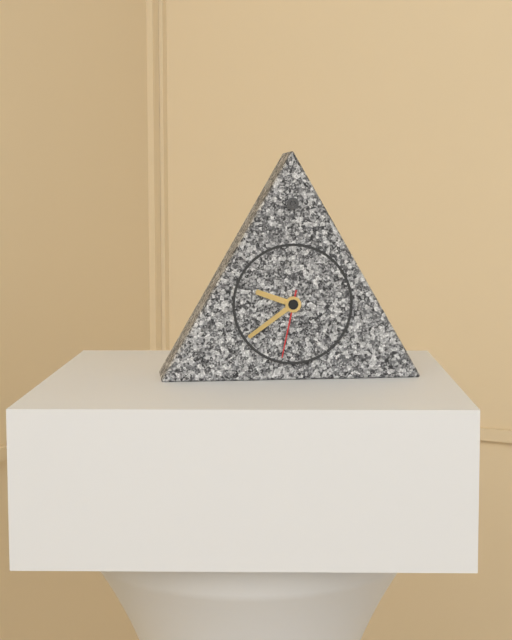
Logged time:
9h39m32s
